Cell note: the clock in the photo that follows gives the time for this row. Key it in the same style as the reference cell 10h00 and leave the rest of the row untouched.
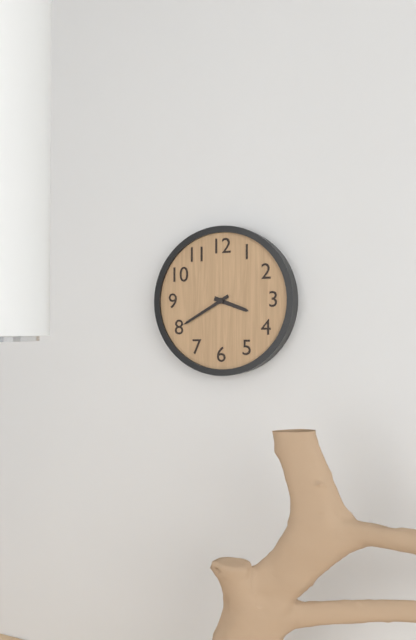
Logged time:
3h40
